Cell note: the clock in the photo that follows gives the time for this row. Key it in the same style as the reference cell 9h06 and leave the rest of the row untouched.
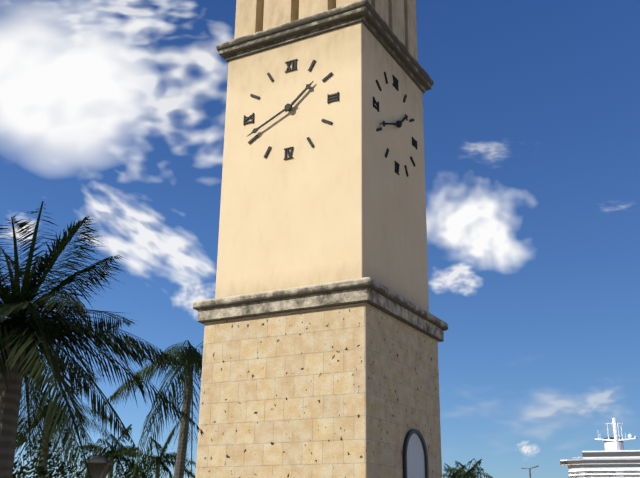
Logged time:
1h41
